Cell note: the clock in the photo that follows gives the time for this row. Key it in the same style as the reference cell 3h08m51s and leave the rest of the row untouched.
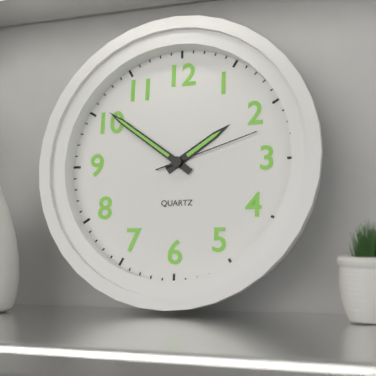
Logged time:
1h51m12s
